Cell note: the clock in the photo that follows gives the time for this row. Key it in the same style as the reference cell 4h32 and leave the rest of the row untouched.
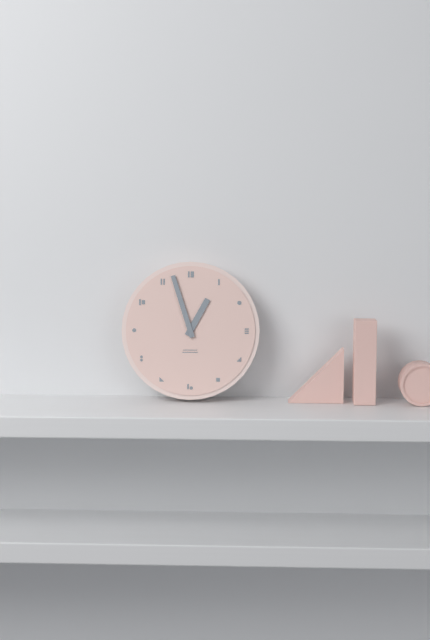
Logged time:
12h57
